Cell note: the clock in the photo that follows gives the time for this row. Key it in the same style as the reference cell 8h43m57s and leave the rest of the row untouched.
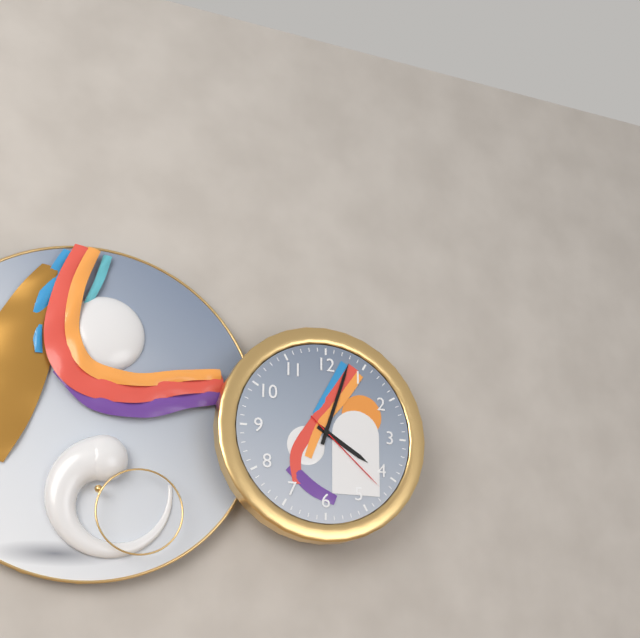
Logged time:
4h03m22s
